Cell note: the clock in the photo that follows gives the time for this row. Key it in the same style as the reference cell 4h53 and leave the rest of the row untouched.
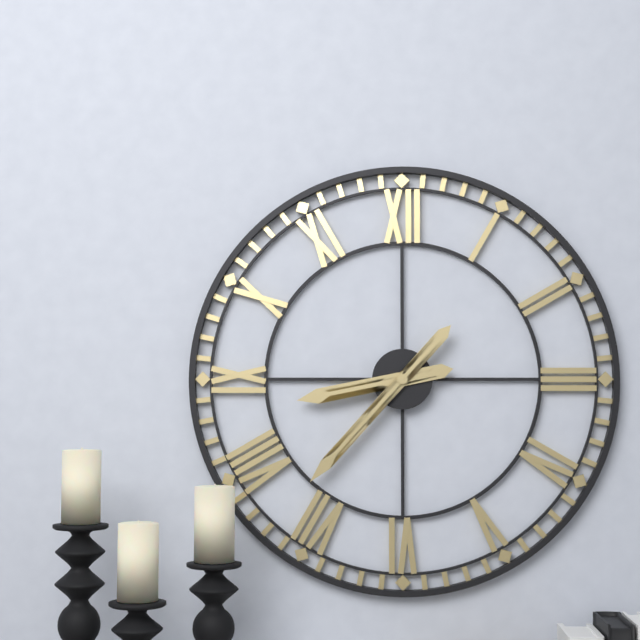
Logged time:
8h37
